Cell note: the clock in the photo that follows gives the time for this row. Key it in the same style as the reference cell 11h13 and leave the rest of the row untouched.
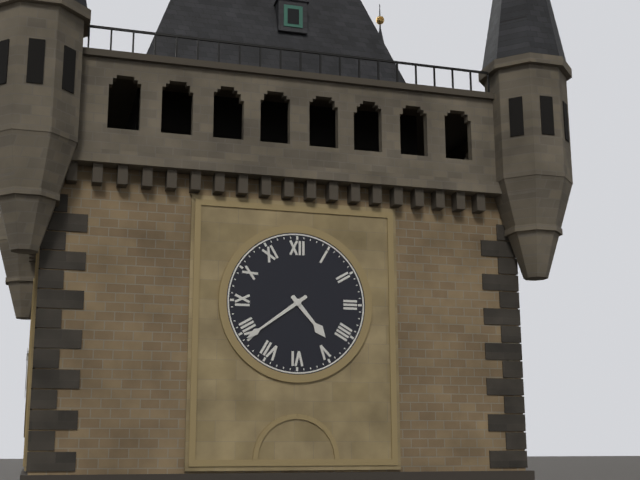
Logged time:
4h39
